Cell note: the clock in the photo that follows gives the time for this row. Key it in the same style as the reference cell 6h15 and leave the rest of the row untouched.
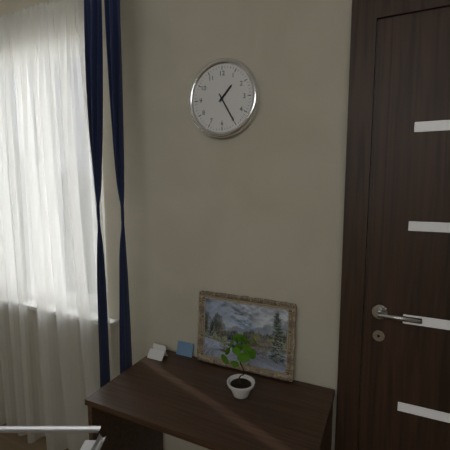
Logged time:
1h25
